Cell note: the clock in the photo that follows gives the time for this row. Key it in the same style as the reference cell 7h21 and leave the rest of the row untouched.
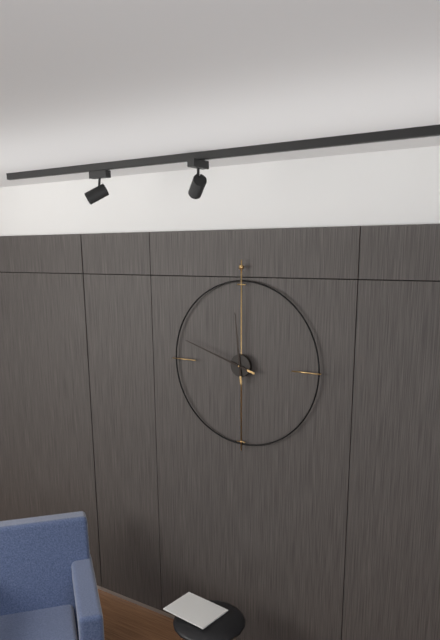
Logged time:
11h48
